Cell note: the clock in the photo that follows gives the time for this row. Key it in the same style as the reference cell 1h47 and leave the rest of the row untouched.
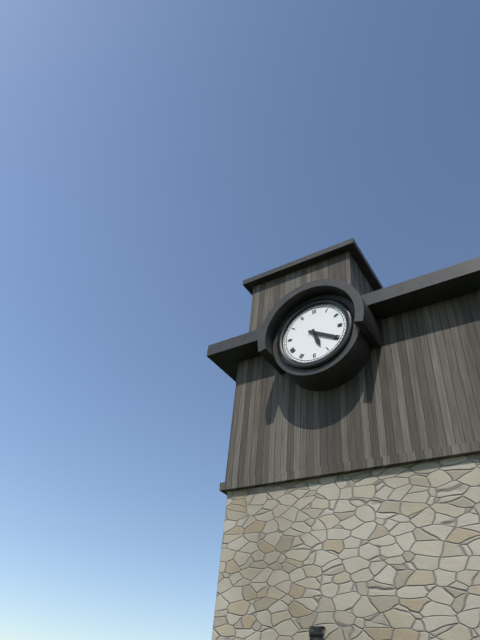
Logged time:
5h20
